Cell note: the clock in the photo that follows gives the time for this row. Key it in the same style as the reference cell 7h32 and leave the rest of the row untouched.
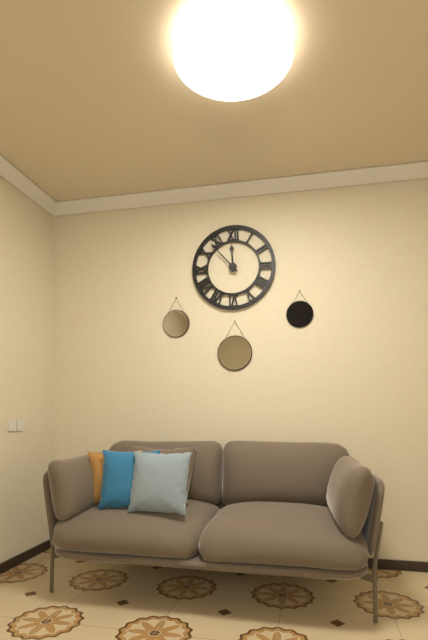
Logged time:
11h53
